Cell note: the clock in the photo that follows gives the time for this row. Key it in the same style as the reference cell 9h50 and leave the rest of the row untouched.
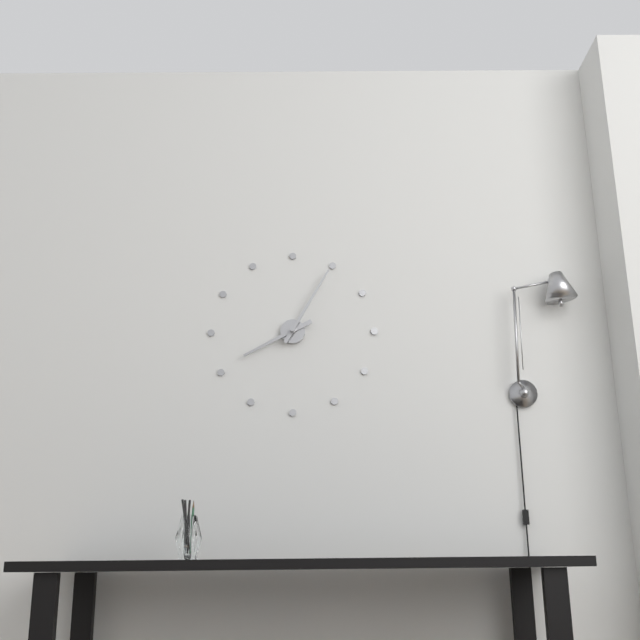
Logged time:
8h05
